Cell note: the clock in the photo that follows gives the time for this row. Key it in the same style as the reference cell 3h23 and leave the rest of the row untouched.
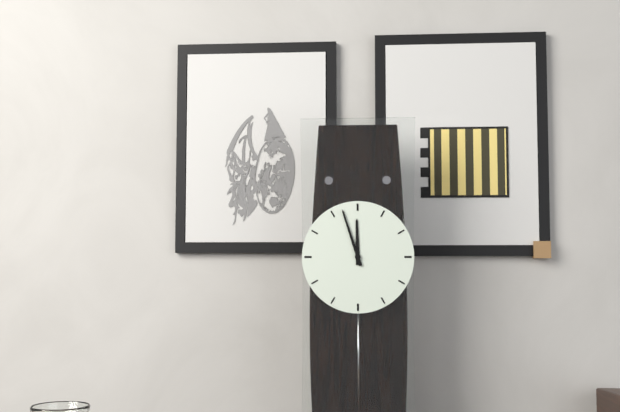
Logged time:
11h57
